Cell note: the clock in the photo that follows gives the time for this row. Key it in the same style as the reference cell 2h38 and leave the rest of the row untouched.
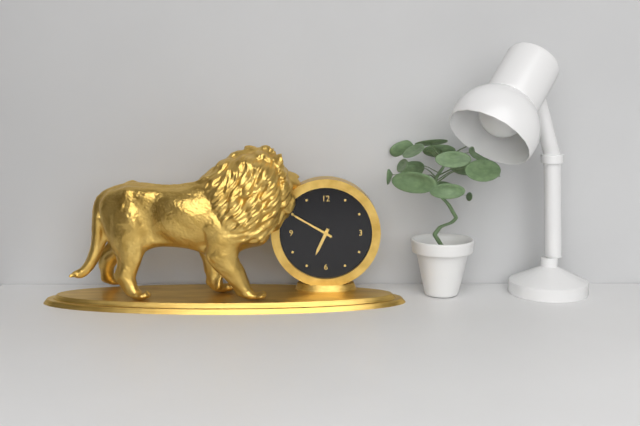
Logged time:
6h50
